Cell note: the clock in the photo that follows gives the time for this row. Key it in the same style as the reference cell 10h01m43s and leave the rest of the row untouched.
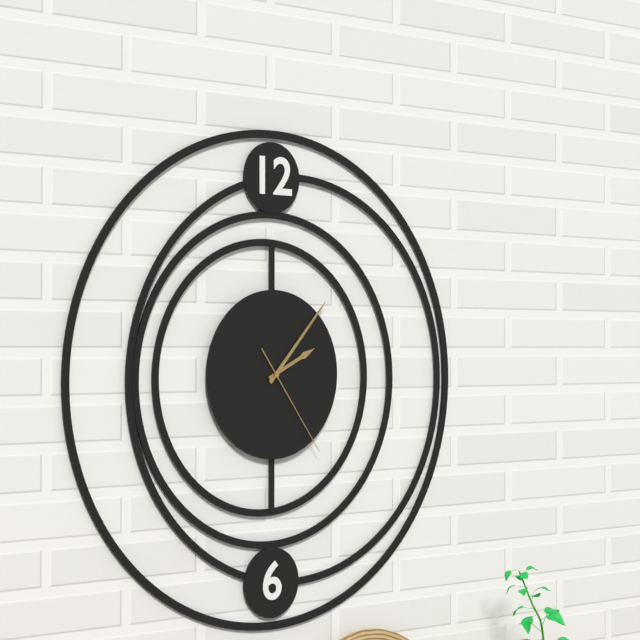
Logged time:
2h07m24s
